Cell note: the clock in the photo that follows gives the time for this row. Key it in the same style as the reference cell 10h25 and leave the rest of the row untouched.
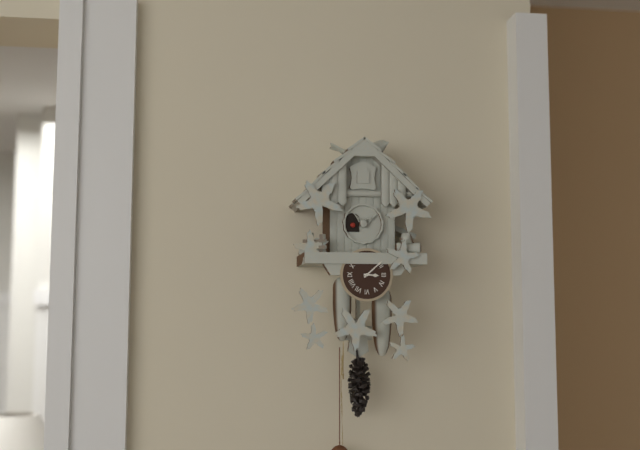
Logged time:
3h08
